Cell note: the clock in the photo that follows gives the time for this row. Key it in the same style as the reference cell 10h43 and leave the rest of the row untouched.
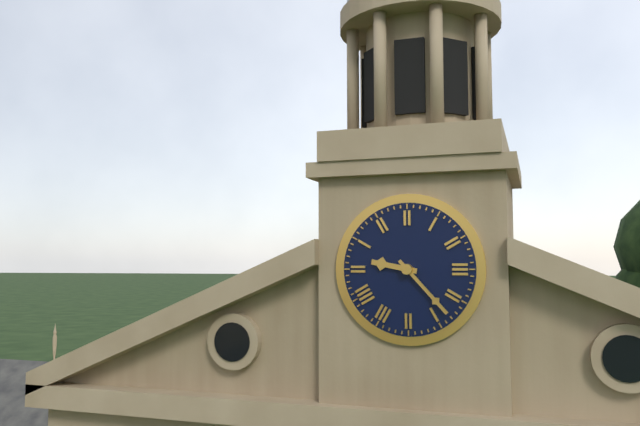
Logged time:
9h23
